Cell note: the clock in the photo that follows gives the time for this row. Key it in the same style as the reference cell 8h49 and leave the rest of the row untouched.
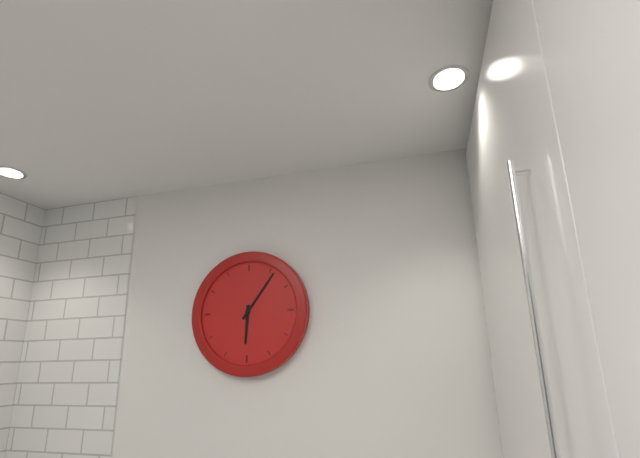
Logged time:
6h06
